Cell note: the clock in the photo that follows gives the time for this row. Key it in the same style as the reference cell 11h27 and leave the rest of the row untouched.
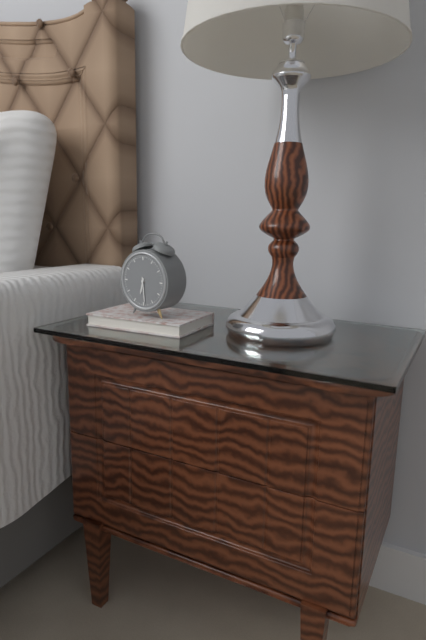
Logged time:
6h29
